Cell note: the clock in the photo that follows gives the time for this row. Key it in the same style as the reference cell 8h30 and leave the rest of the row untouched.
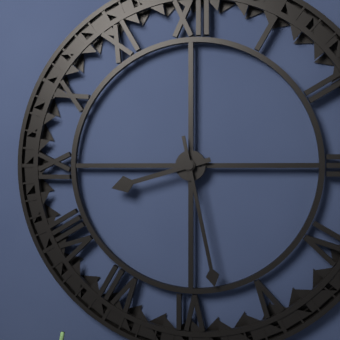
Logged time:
8h28
